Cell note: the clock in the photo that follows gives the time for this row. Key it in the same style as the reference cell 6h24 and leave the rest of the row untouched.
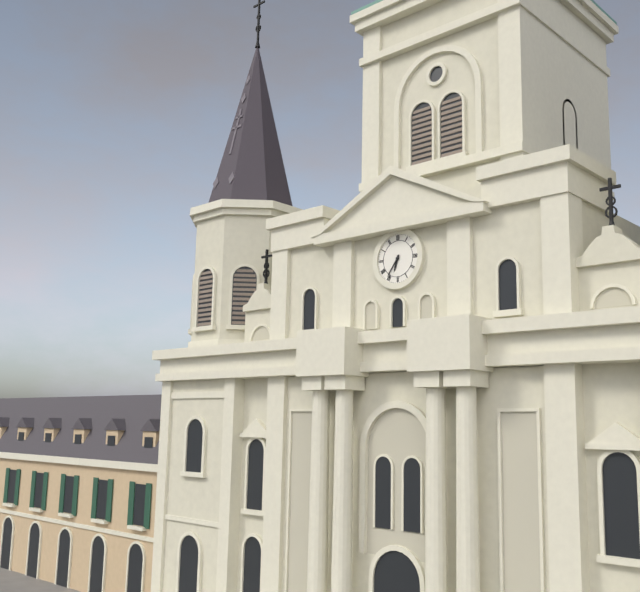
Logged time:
6h36
